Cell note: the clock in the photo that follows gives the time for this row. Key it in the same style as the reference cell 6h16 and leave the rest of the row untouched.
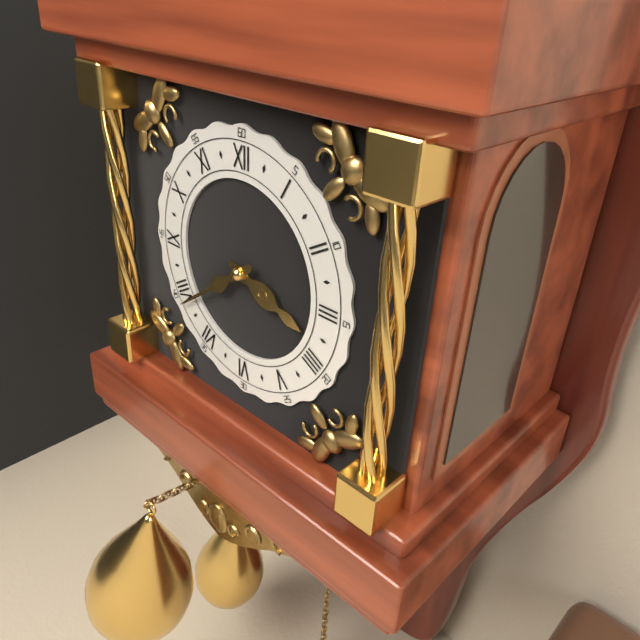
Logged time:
3h39
